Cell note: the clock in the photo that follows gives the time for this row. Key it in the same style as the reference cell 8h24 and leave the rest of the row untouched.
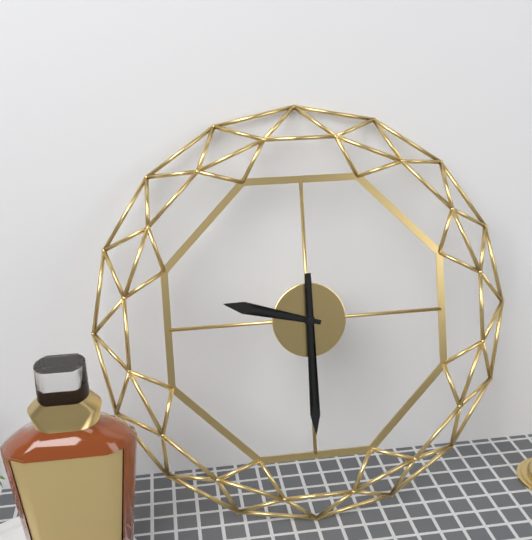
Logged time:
9h30
